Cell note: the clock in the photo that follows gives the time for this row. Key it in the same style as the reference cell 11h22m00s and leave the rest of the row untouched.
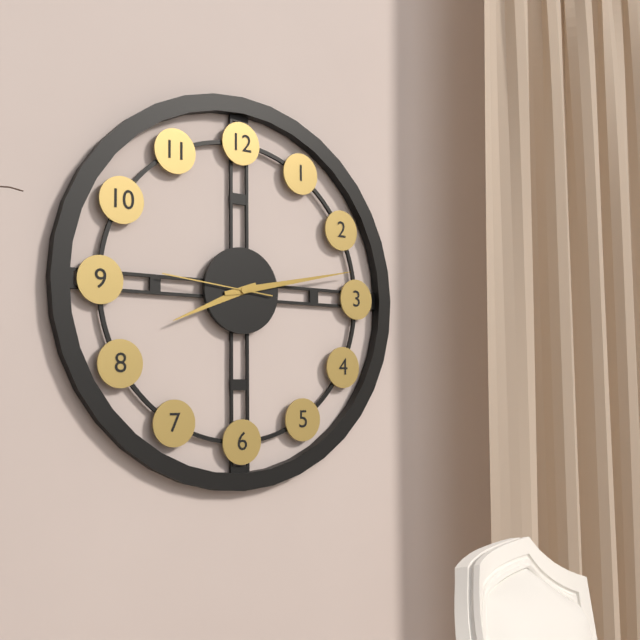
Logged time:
8h13m46s
